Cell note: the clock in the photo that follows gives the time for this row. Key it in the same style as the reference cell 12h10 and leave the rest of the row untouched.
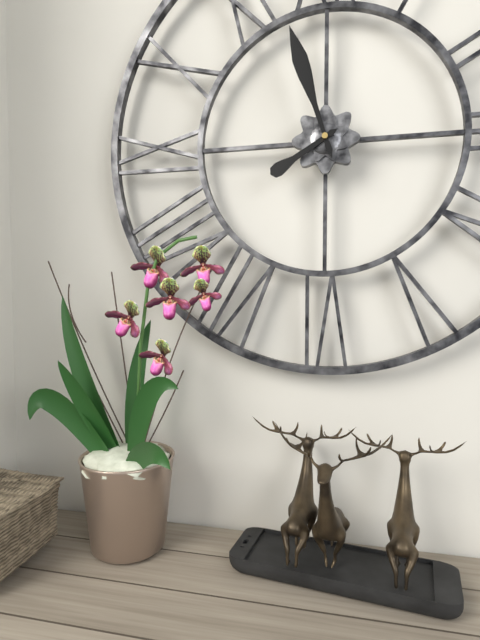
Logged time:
7h57
